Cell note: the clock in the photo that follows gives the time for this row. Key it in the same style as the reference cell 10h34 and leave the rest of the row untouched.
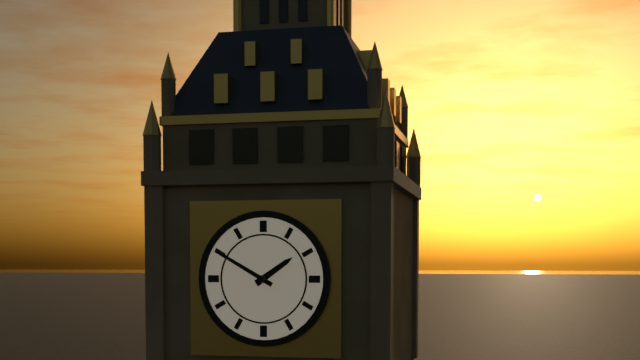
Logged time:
1h50
